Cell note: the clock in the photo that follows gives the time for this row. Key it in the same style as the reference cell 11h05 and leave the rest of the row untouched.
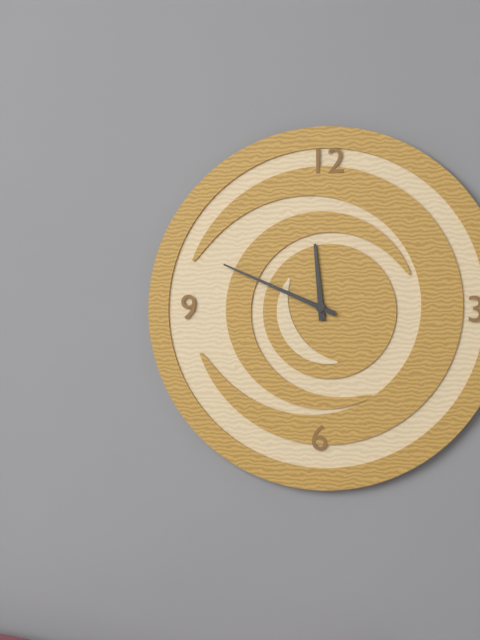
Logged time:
11h49
